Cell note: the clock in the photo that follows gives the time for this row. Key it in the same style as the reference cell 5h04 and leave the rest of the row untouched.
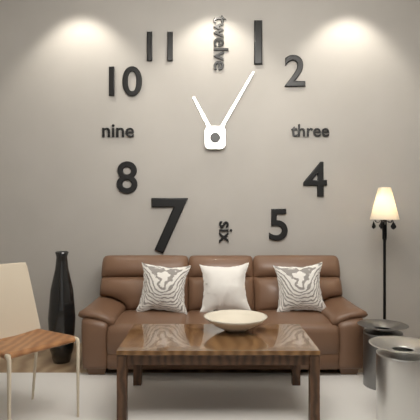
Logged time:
11h05
